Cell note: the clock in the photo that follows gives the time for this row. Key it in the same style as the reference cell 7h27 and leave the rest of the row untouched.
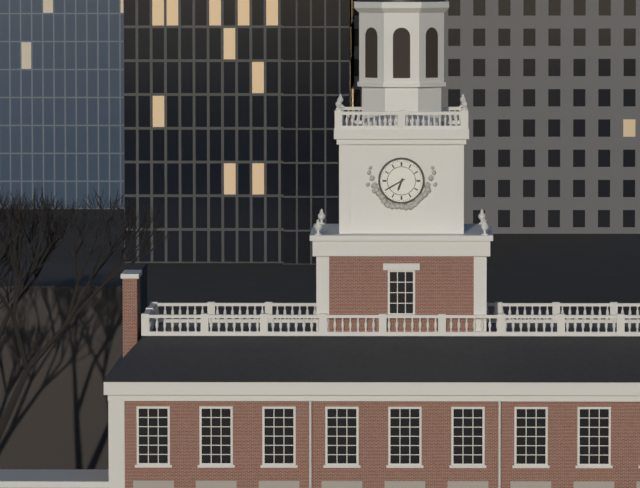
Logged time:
6h40
